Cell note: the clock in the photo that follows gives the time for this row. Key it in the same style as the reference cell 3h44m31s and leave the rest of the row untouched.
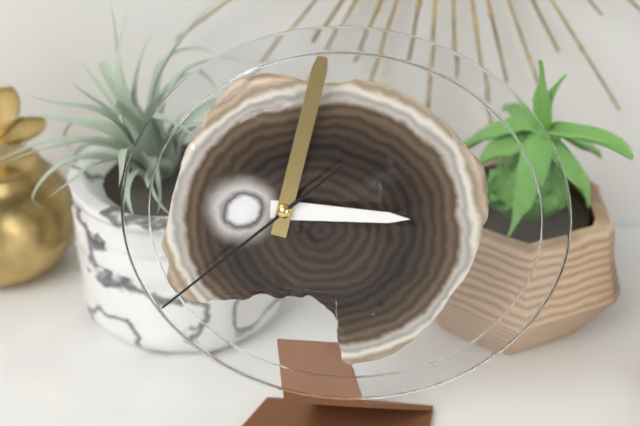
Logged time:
3h02m38s
